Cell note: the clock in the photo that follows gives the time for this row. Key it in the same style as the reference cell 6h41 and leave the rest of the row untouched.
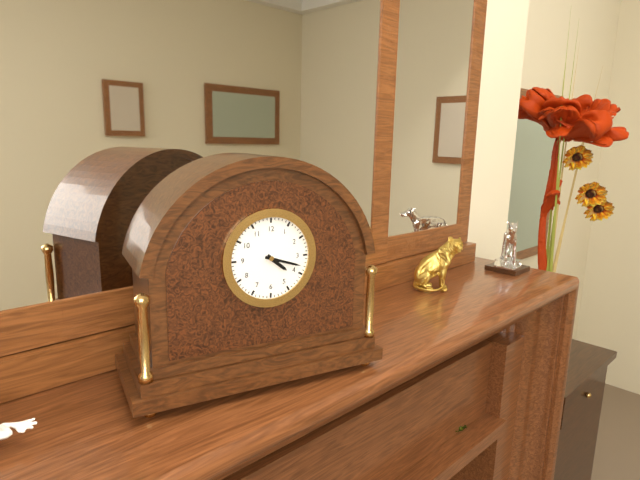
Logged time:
4h18
